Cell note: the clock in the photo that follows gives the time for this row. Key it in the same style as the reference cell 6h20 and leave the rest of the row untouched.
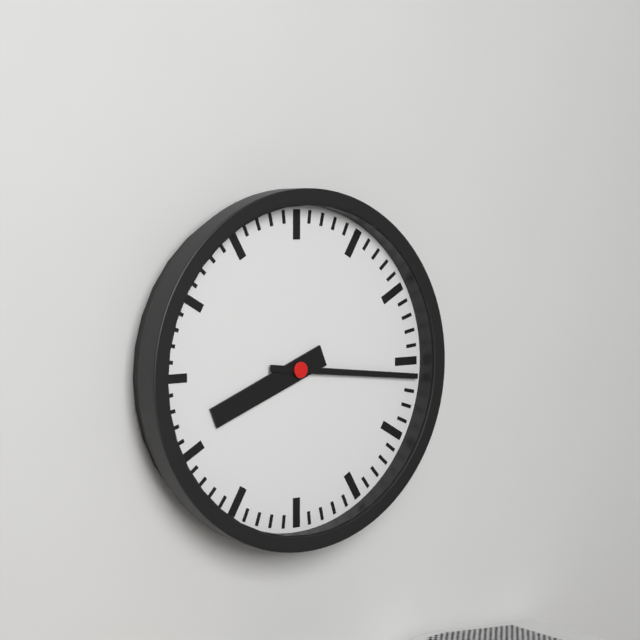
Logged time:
8h16
